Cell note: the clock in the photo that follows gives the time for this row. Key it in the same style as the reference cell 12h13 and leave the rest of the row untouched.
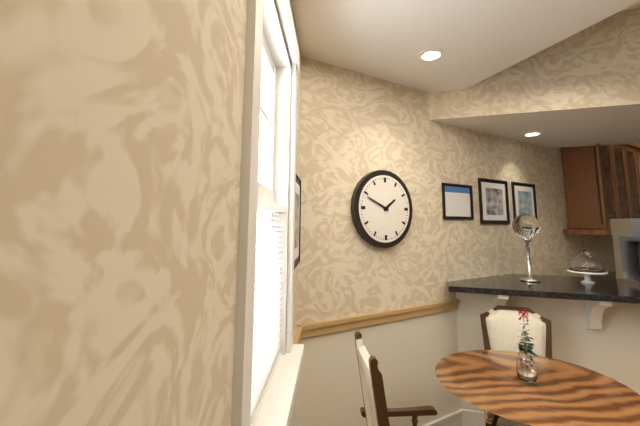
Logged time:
1h49
